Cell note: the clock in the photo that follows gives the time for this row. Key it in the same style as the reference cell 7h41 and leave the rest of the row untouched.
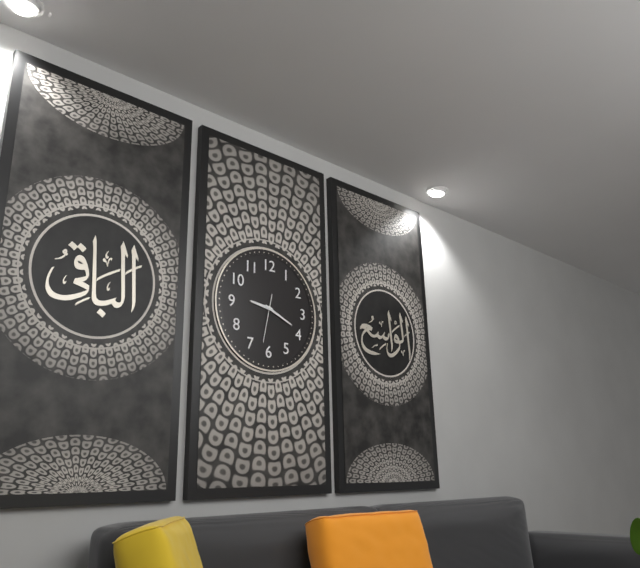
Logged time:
9h19
